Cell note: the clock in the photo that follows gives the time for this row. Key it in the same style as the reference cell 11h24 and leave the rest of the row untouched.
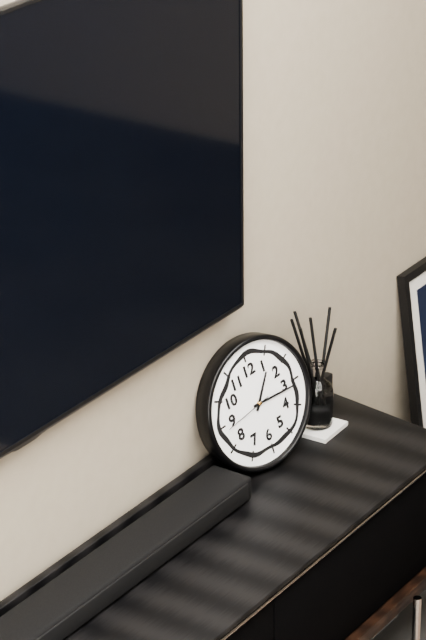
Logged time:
1h16
